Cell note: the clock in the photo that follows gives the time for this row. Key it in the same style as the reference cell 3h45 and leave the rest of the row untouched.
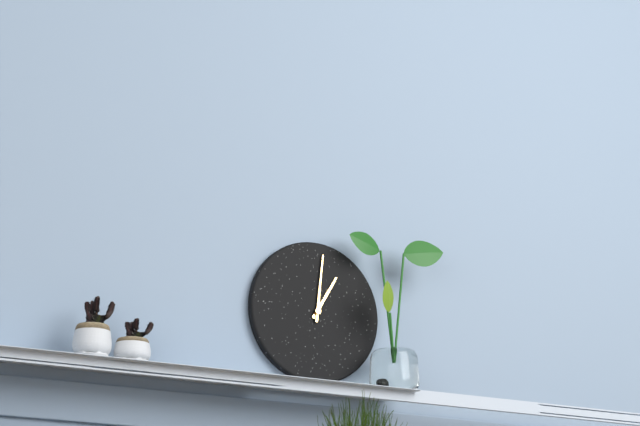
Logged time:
1h01
